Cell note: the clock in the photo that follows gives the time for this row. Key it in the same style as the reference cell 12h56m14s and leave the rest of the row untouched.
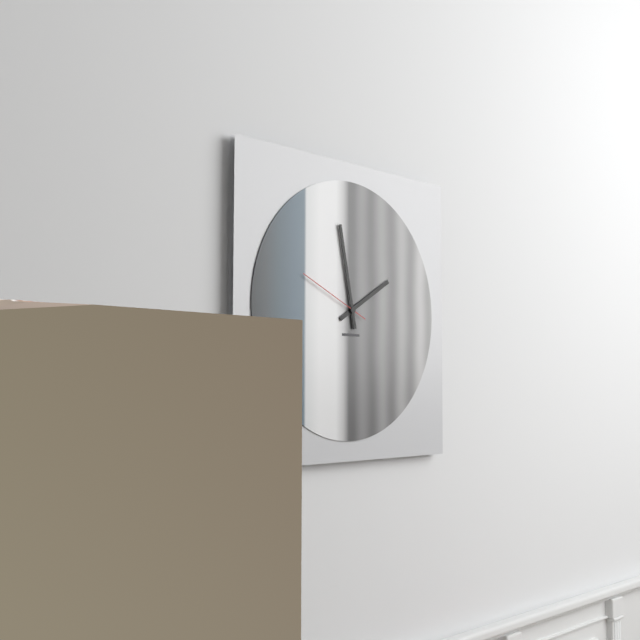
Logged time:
1h58m49s
